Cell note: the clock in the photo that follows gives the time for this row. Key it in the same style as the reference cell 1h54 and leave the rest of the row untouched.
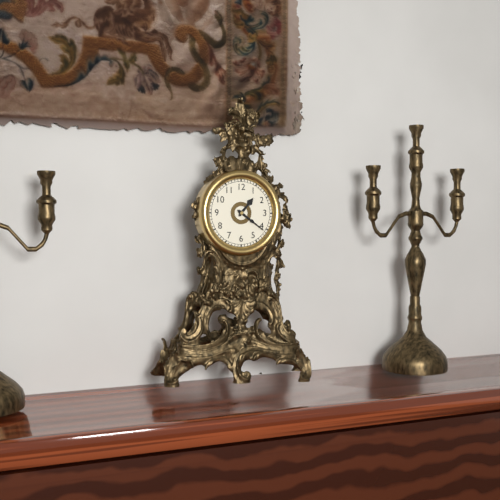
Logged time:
1h21
